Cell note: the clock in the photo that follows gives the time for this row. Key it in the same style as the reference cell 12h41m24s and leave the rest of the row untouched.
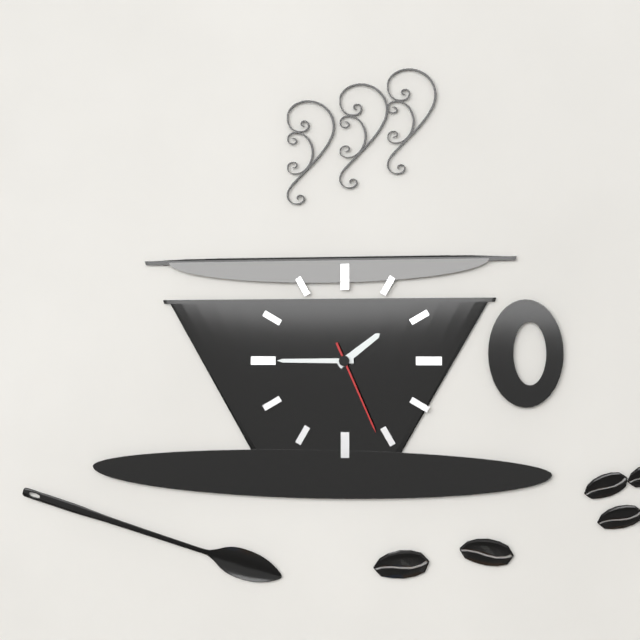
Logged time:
1h45m26s
